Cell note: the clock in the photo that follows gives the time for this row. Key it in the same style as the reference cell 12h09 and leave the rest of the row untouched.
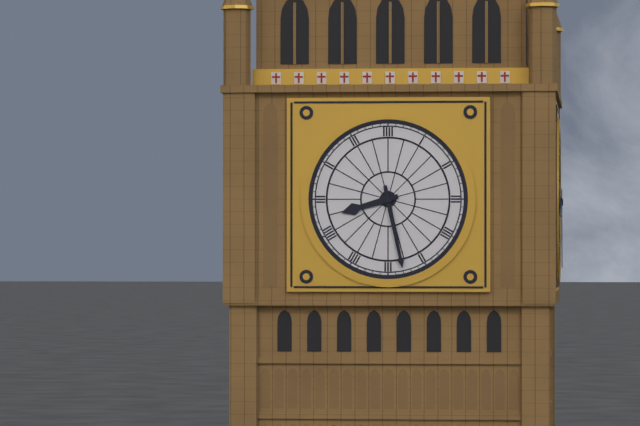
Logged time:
8h28
